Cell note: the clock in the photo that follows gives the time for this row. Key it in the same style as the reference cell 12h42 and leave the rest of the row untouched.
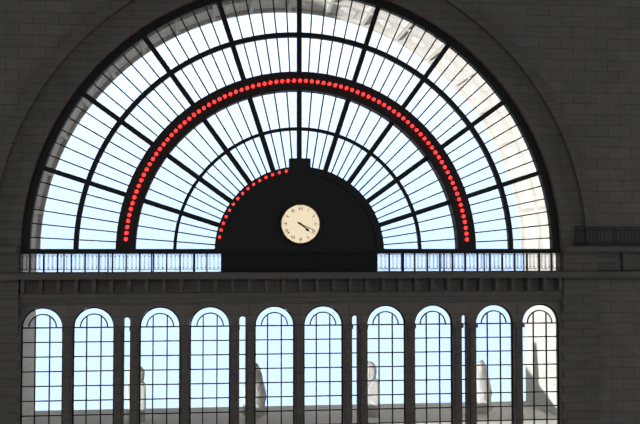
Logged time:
4h19
